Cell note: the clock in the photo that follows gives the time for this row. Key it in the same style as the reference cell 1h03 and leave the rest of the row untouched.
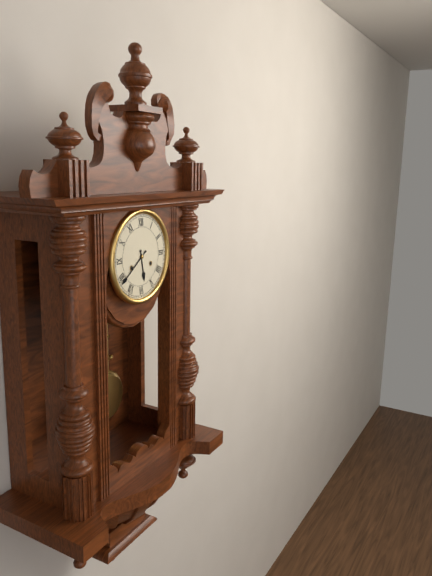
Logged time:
5h39
